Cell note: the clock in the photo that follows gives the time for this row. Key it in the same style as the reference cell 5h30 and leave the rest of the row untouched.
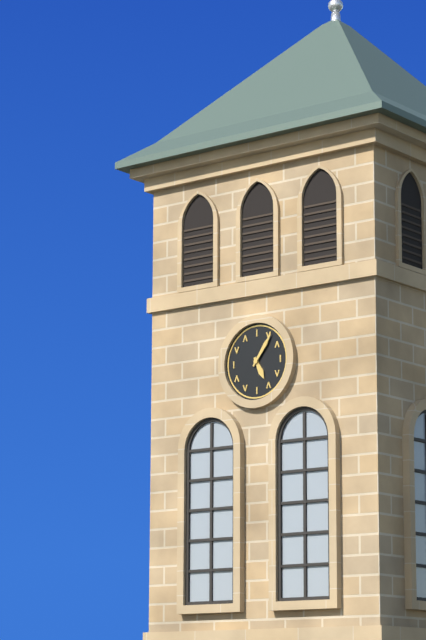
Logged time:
5h06
